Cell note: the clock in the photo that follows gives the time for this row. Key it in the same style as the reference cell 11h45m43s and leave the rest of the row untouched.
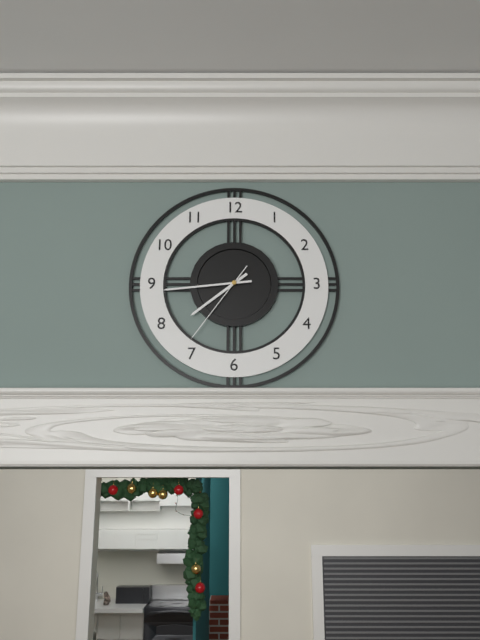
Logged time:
7h44m36s
